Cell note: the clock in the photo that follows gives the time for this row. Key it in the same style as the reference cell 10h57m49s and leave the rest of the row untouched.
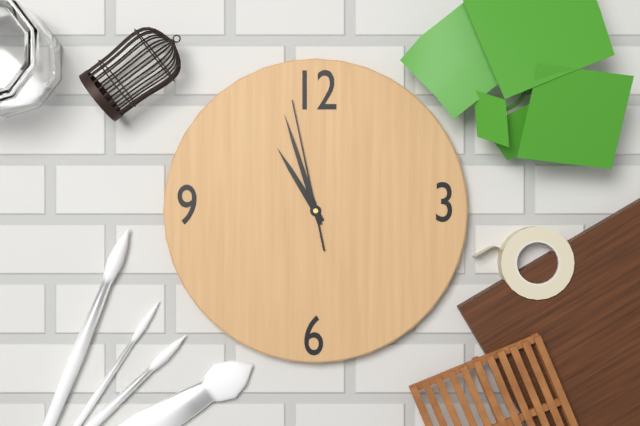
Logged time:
10h57m58s
